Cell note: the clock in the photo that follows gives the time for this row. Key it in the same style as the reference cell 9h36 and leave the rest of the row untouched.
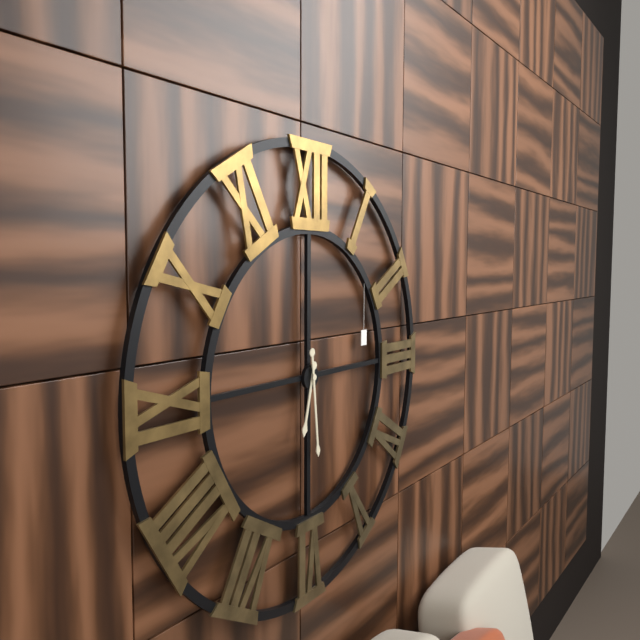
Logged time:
6h29
